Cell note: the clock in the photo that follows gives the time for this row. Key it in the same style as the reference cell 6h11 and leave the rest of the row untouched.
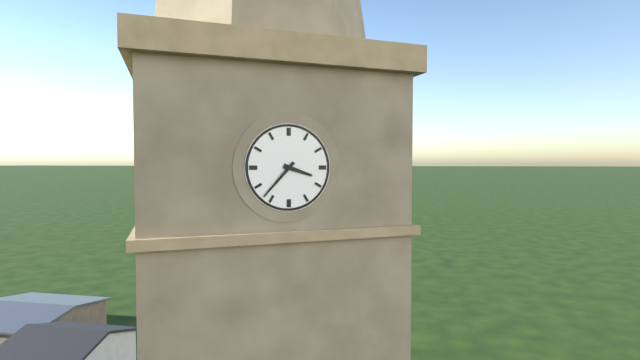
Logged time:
3h37
